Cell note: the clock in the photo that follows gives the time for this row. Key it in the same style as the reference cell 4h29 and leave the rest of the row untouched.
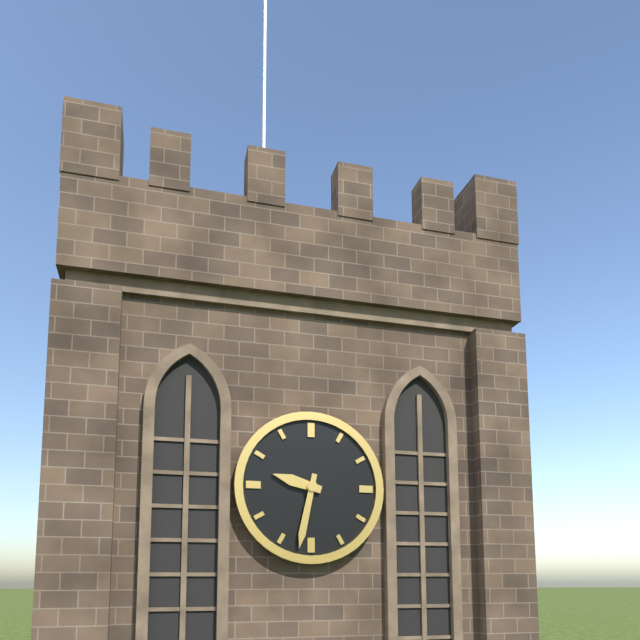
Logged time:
9h32
